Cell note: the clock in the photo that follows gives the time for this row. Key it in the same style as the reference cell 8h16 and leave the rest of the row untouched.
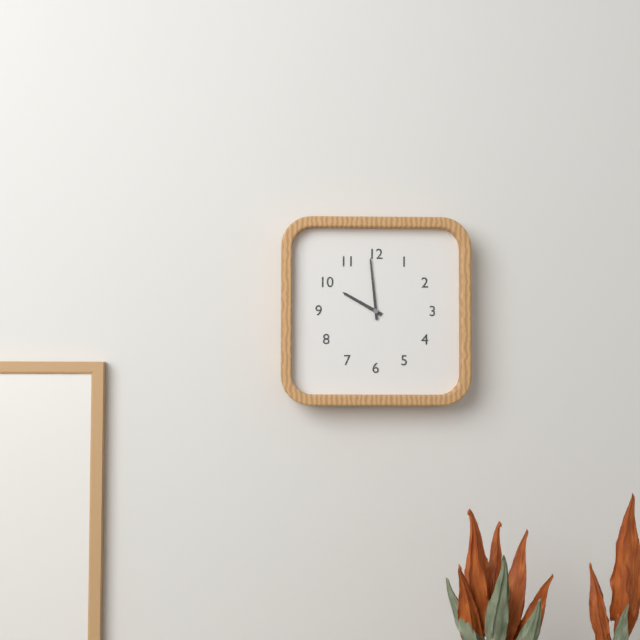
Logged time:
9h59
